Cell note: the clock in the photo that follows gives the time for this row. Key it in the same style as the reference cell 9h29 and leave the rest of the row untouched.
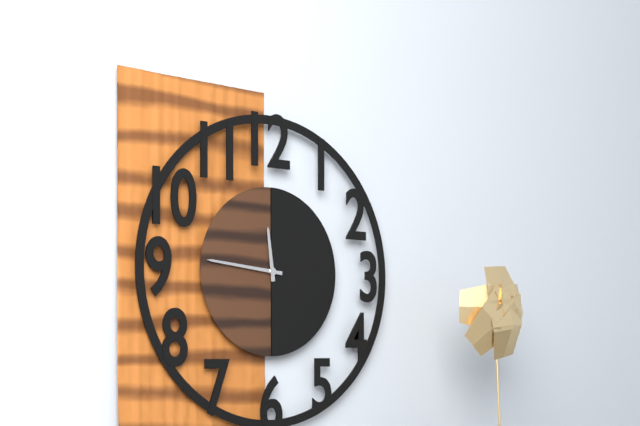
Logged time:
11h46
